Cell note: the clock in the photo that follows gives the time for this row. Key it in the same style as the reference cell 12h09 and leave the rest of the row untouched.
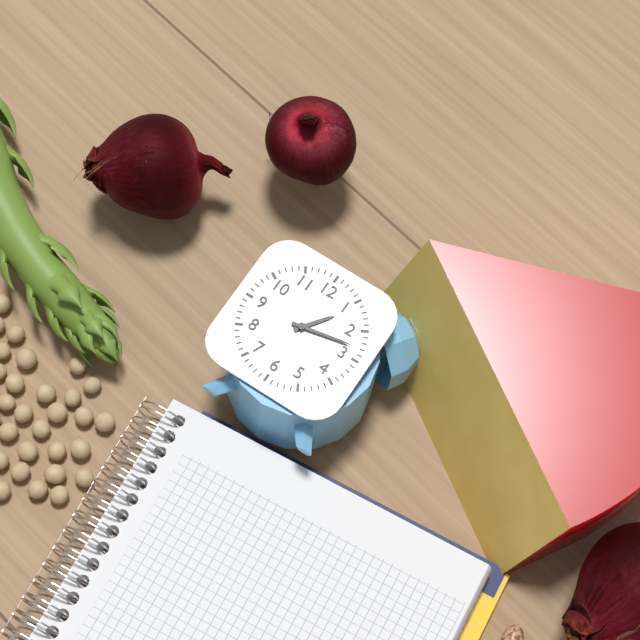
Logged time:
1h13
